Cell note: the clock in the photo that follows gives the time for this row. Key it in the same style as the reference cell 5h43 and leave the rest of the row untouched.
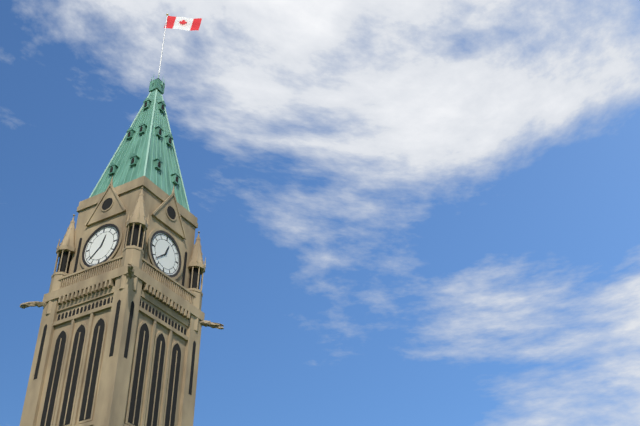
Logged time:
12h38
